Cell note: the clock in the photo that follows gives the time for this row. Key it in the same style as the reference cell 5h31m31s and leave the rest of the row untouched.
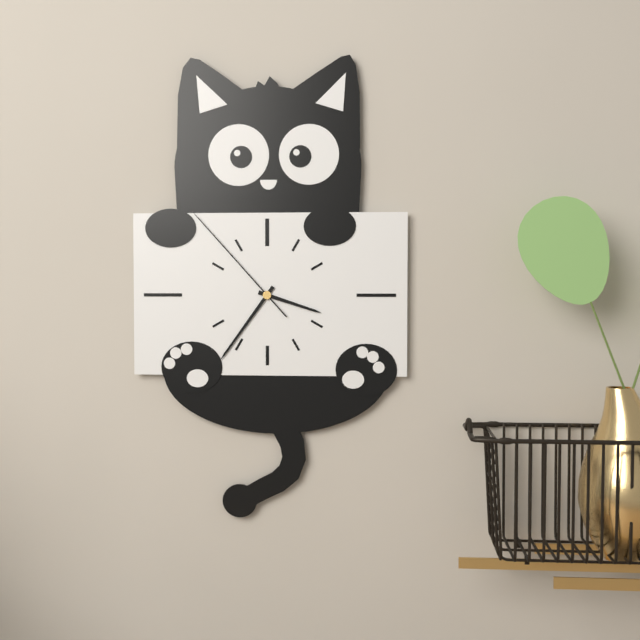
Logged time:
3h36m53s
